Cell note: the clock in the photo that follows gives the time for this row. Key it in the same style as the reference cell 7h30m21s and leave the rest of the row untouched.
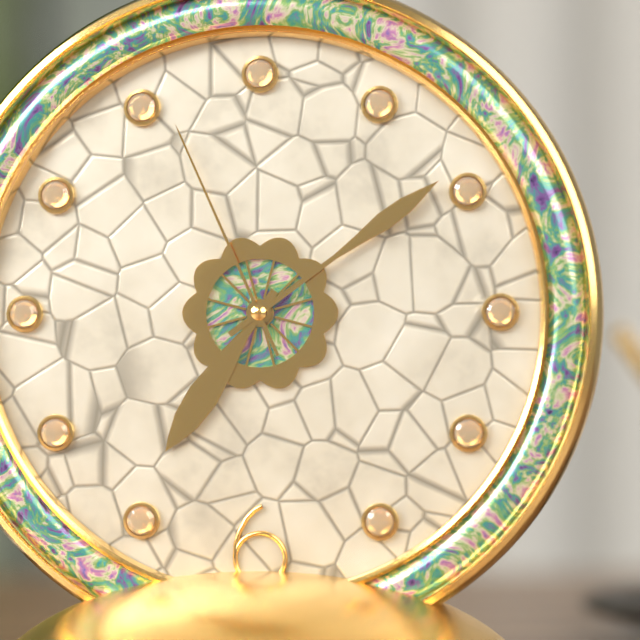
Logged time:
7h09m56s
